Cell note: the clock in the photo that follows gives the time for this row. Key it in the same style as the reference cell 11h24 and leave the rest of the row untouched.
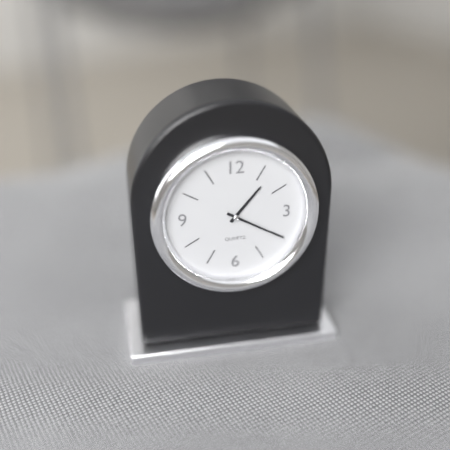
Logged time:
1h20
